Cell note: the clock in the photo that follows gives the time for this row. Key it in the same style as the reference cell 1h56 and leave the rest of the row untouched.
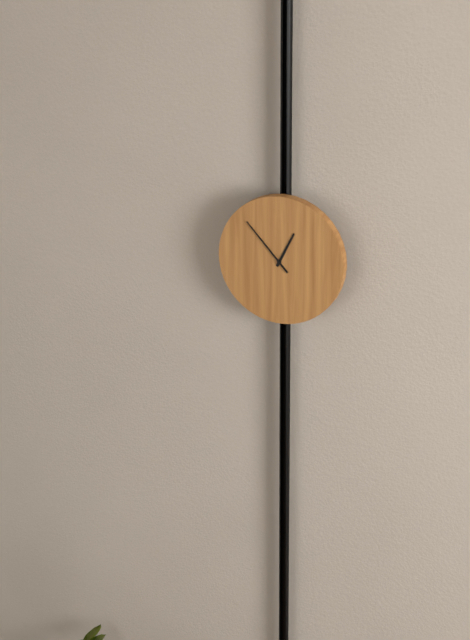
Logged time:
12h53
